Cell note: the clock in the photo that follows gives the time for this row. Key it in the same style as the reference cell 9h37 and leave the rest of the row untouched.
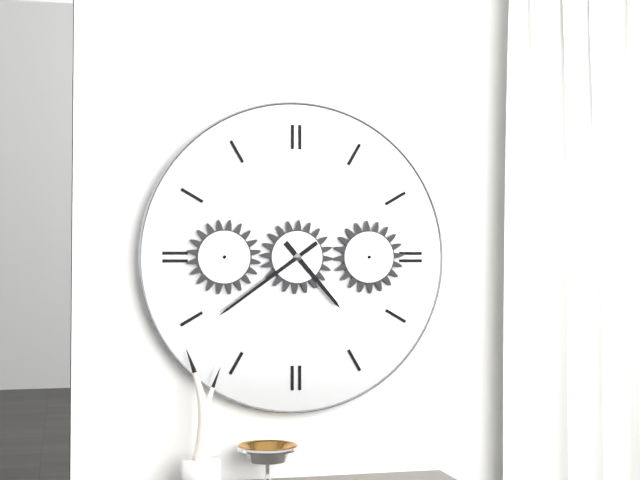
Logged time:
4h39
